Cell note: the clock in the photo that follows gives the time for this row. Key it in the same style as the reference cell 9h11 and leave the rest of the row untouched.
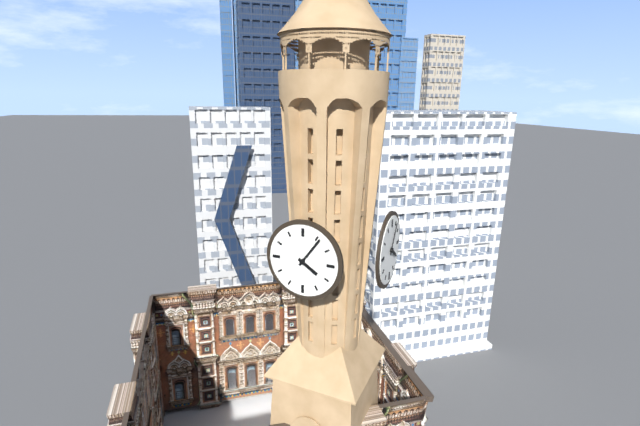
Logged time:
4h06
